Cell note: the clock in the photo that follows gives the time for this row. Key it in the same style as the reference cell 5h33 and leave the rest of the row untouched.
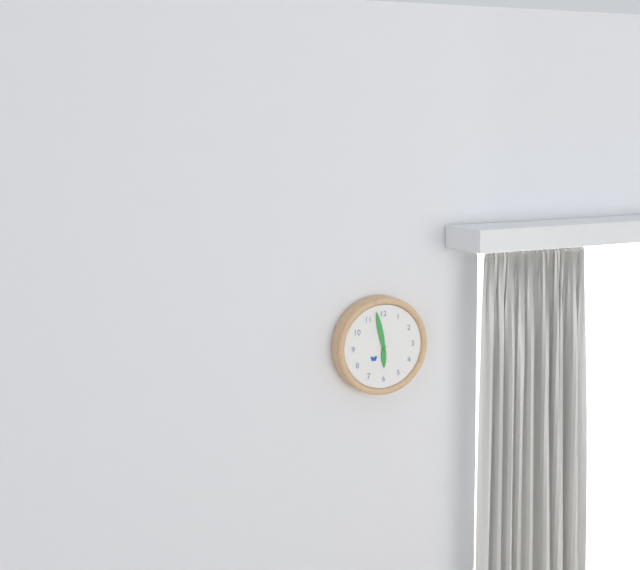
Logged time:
5h58
